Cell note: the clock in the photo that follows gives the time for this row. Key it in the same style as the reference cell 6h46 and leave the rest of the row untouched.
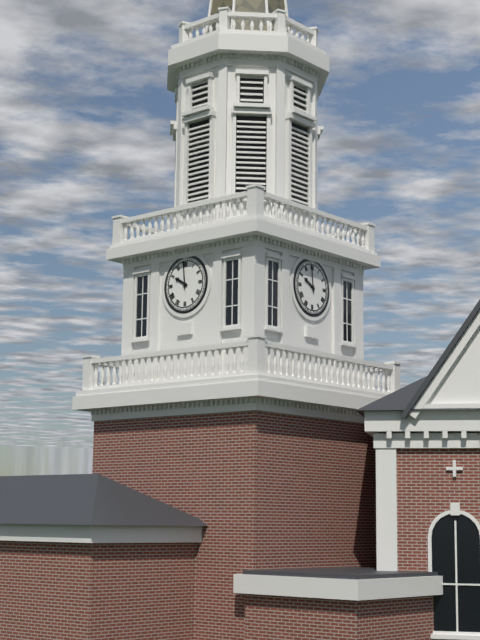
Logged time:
9h59
